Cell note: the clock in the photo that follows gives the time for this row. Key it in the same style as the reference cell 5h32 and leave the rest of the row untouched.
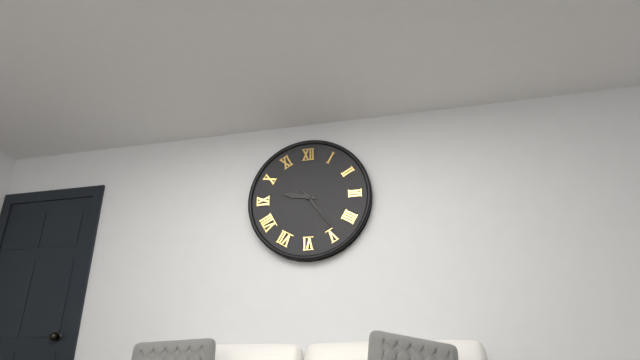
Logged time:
9h24
